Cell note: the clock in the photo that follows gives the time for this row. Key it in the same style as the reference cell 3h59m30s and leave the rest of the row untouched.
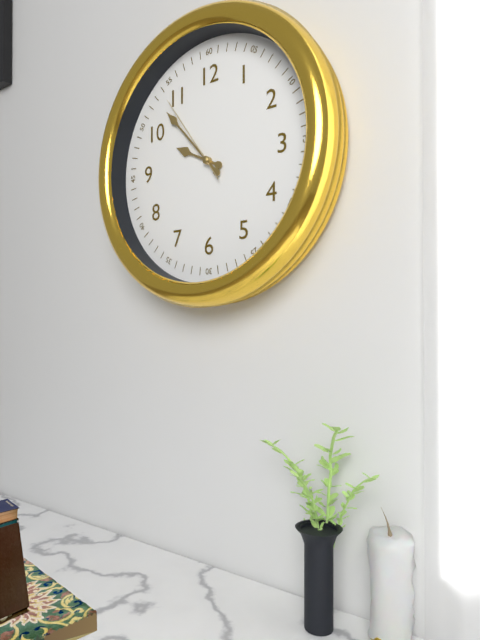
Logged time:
9h53m54s
